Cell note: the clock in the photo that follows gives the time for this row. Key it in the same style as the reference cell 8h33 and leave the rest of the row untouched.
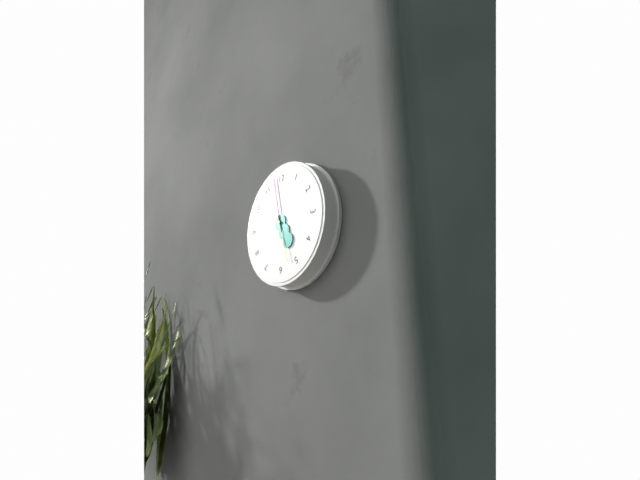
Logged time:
4h58
